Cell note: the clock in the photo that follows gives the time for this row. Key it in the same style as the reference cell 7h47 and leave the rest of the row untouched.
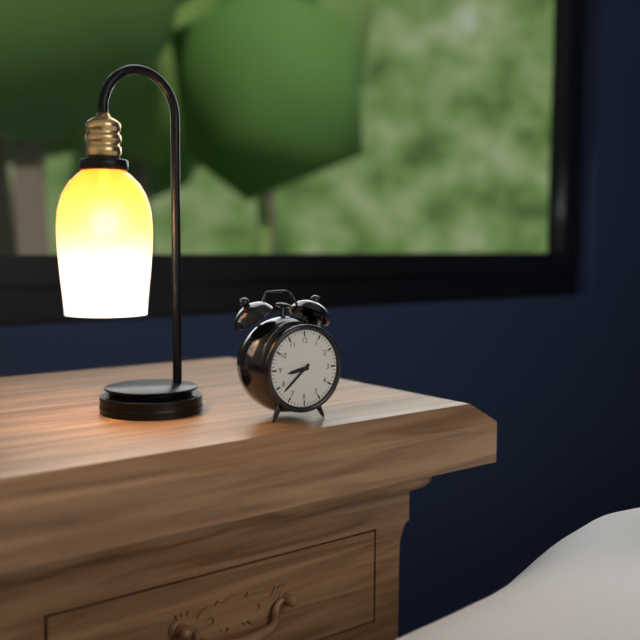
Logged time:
8h38
